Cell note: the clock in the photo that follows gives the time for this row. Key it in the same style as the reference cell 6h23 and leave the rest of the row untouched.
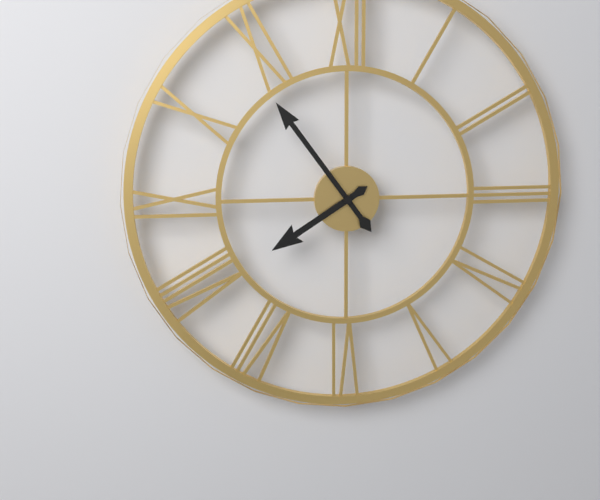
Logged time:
7h54
